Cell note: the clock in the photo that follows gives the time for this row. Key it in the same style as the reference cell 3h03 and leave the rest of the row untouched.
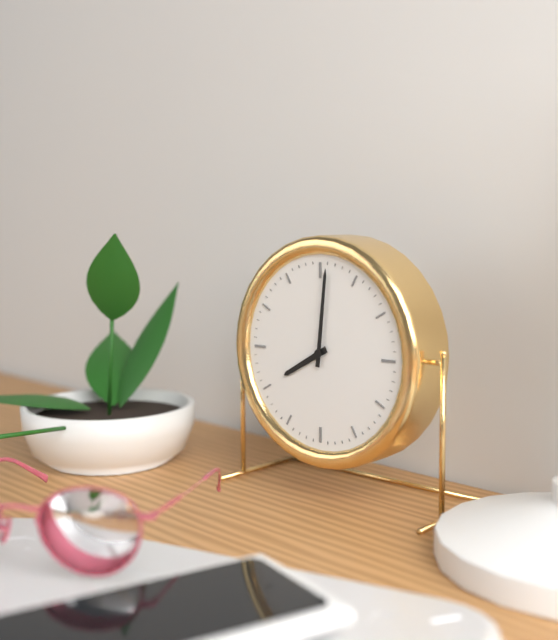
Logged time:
8h01
